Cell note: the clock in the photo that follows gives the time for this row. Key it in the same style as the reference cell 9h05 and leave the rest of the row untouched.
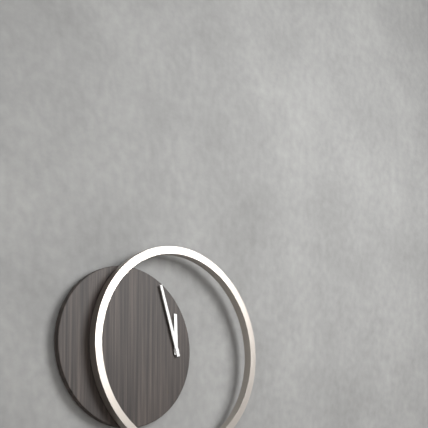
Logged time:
11h57
